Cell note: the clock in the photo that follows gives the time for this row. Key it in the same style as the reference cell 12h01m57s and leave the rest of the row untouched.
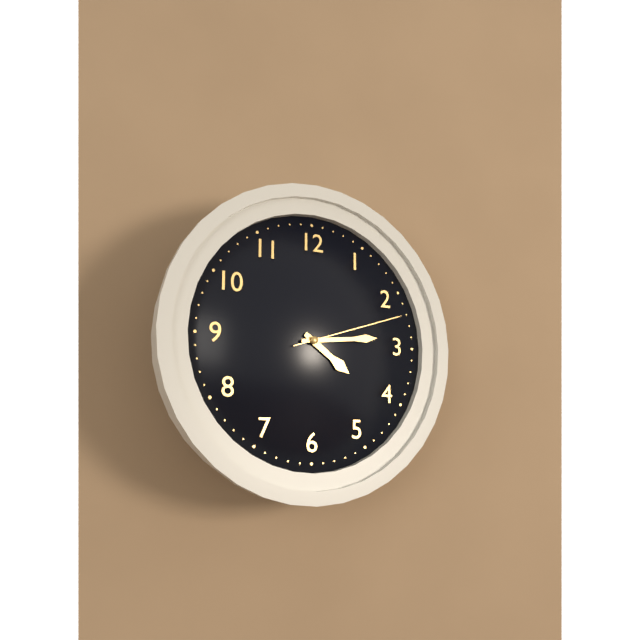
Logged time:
4h14m12s
